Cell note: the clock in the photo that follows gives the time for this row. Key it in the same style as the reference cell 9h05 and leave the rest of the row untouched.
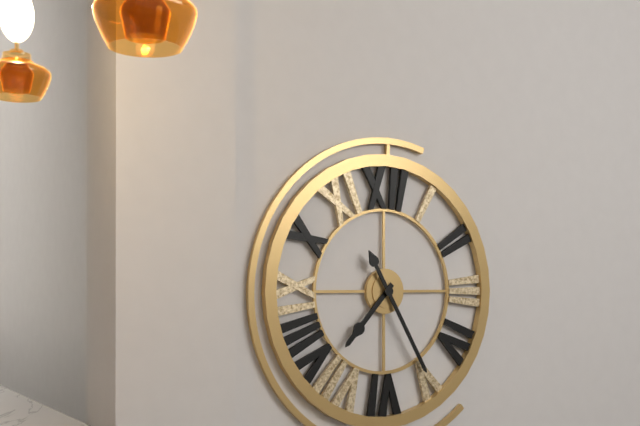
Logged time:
7h25
